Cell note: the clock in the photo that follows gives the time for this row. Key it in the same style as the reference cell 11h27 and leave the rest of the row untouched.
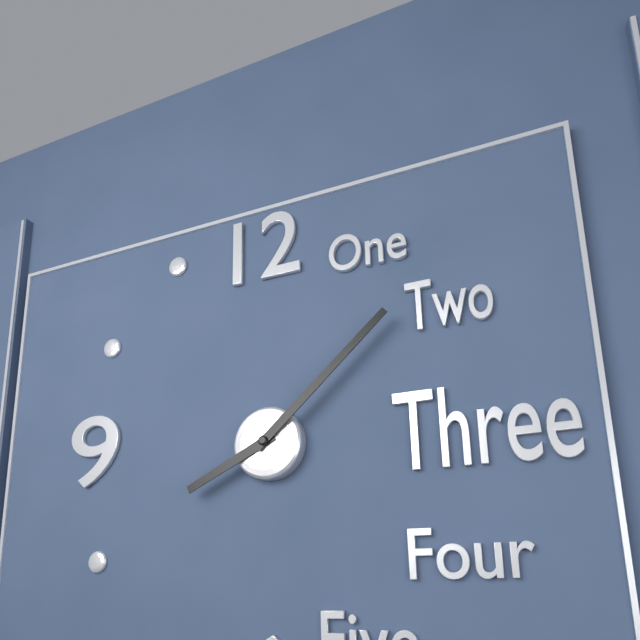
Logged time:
8h08
